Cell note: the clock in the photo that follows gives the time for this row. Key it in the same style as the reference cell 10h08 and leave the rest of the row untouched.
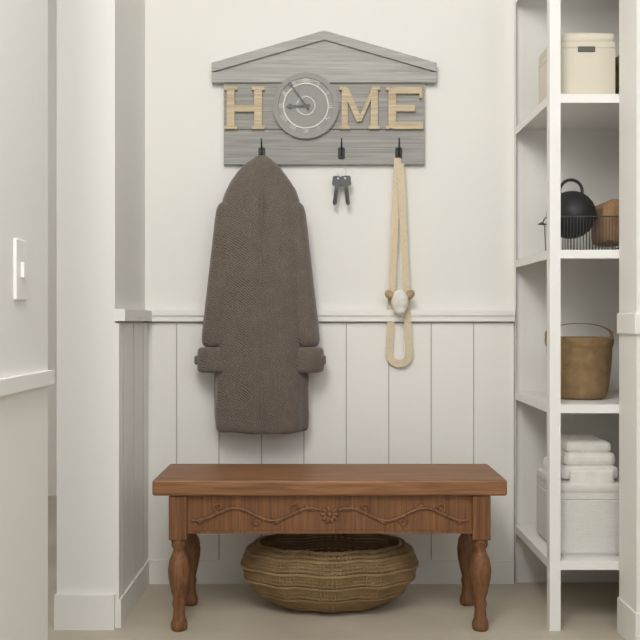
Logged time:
8h54
